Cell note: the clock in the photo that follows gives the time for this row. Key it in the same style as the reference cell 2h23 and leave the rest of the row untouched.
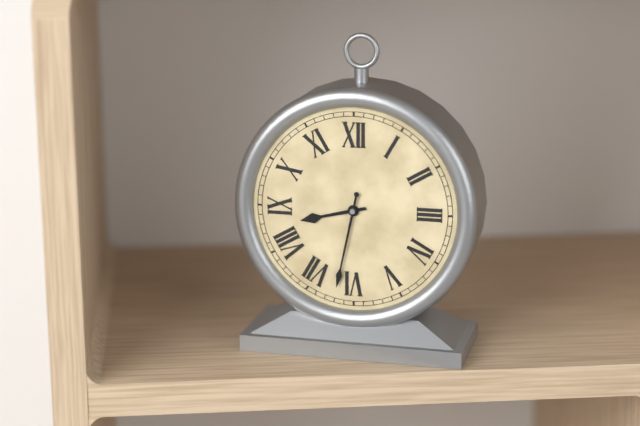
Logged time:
8h32
